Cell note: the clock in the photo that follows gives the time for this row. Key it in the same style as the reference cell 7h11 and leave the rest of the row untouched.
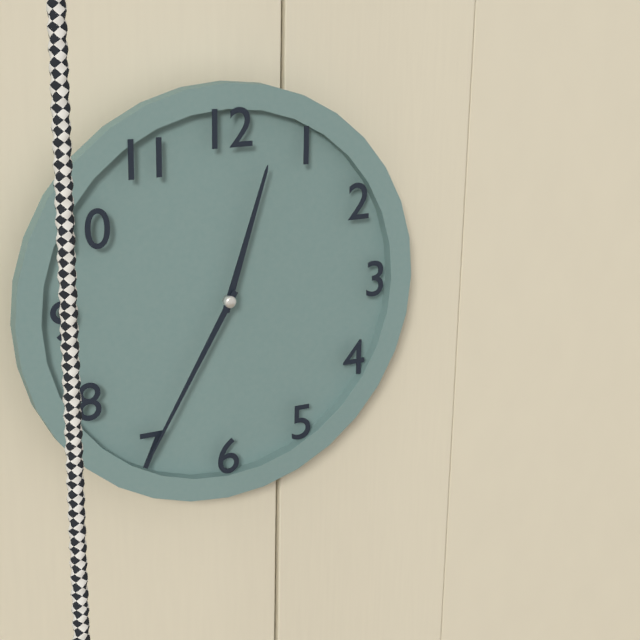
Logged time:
12h35
